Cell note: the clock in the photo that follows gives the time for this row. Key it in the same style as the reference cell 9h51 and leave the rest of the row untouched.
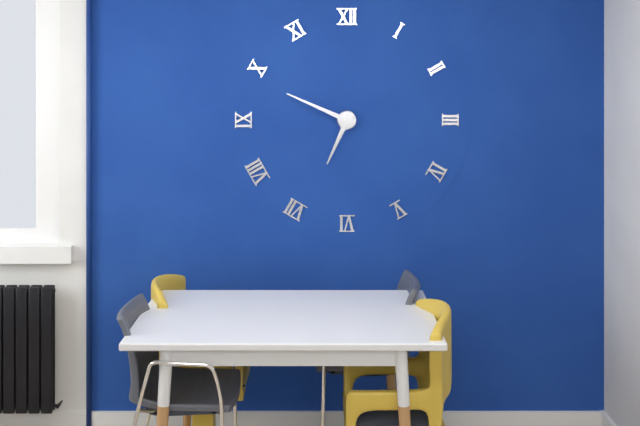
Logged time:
6h49
